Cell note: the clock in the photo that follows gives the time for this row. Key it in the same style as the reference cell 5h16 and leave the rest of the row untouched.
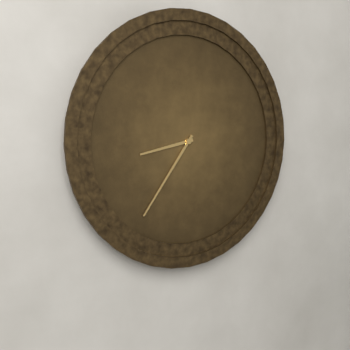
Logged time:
8h36
